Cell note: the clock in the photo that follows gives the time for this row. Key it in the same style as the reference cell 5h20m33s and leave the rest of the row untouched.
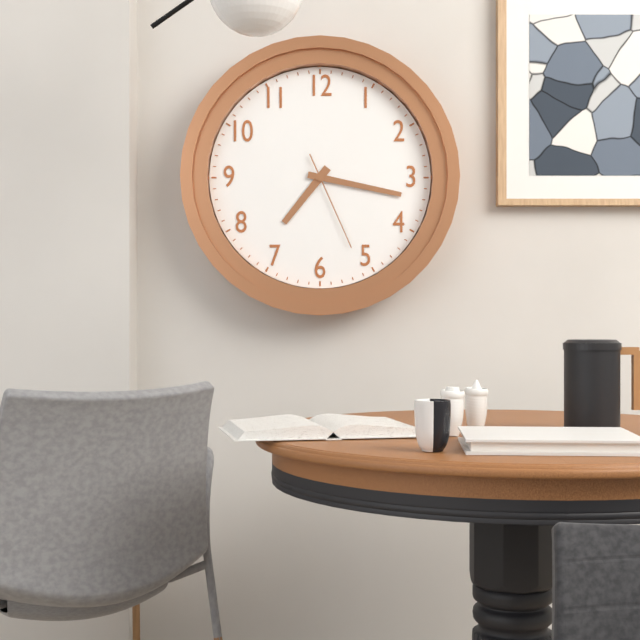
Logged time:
7h17m26s
